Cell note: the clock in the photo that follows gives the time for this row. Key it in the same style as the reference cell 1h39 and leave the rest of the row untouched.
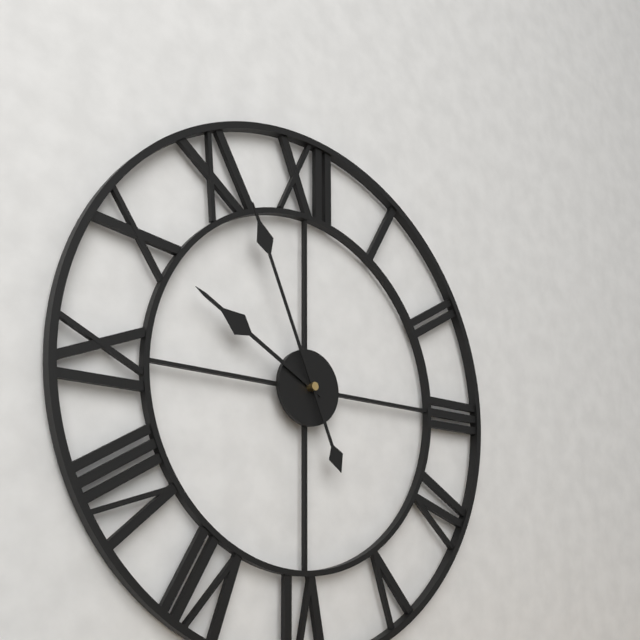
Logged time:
9h56
